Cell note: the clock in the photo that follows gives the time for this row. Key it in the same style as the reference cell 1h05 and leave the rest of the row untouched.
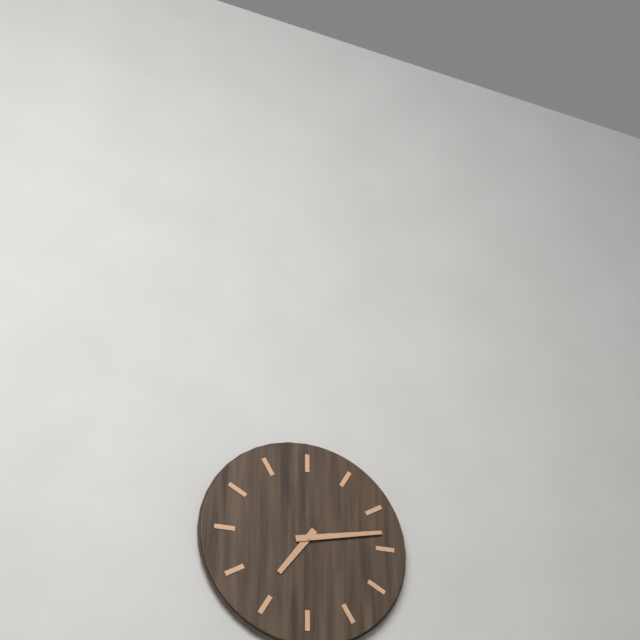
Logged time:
7h13
